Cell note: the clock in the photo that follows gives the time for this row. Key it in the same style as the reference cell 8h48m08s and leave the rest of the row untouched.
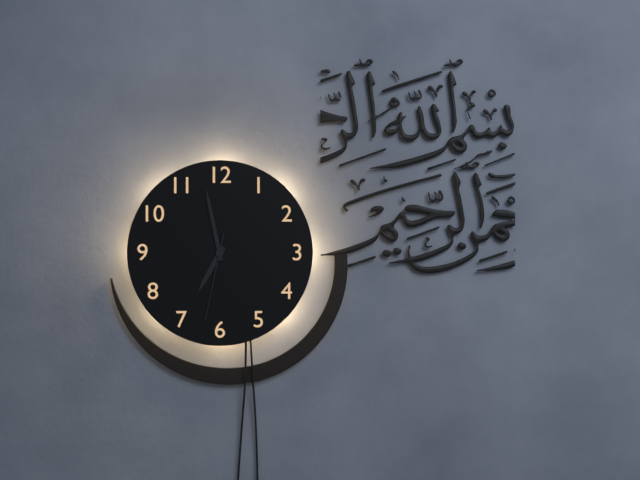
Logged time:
6h58m32s
